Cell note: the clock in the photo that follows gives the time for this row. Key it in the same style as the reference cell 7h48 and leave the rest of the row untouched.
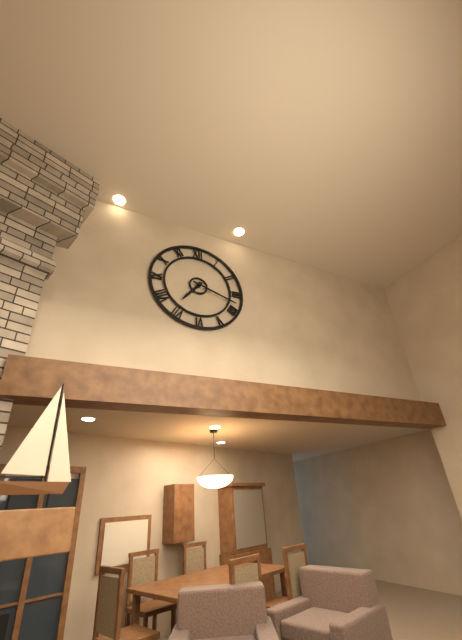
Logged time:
7h18
